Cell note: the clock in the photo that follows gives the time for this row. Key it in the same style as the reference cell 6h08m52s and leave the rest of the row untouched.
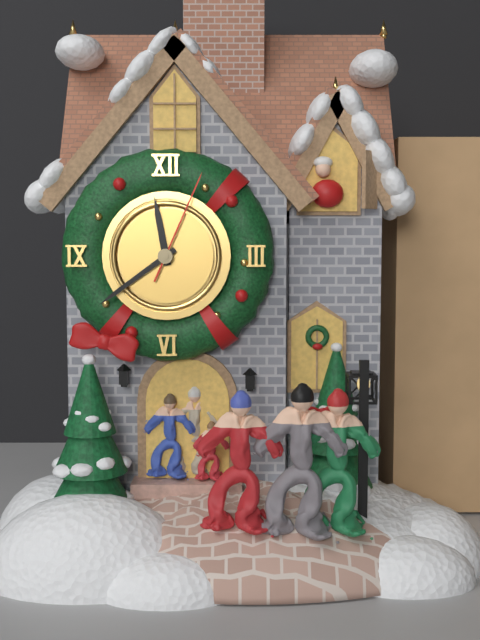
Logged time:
11h39m04s
